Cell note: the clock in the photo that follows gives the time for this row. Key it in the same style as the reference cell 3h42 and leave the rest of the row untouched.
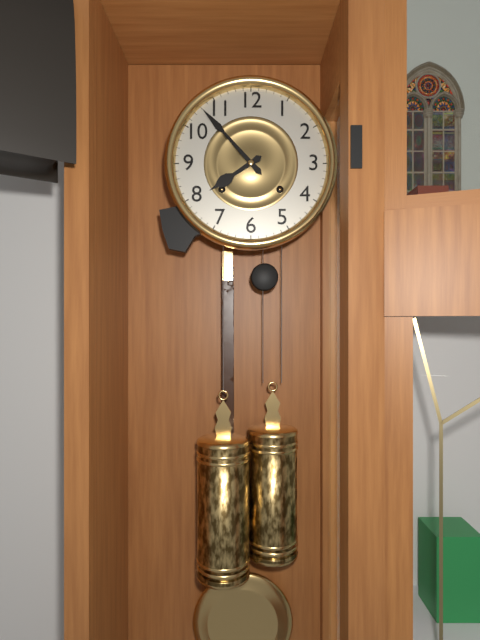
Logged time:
7h53
